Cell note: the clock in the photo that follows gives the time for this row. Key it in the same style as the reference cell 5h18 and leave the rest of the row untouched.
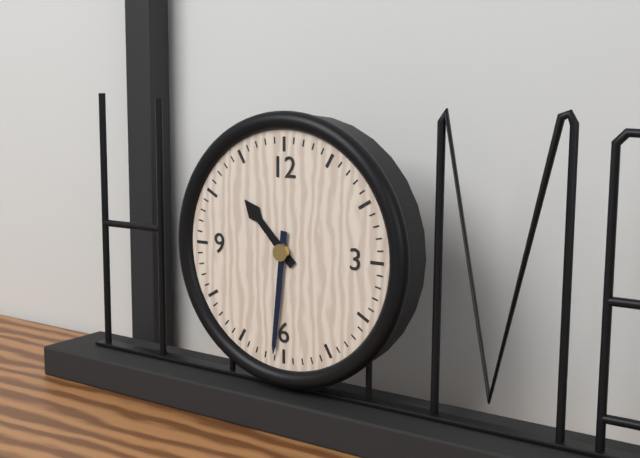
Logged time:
10h31
